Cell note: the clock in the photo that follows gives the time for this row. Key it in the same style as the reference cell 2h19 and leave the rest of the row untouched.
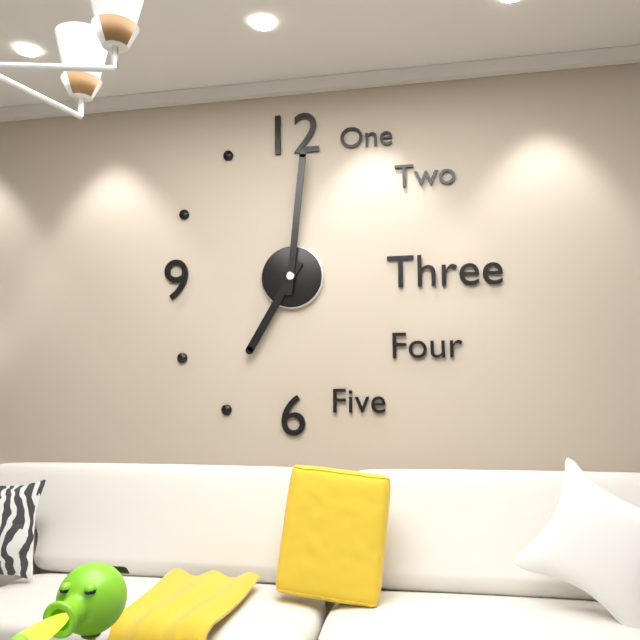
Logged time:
7h01
